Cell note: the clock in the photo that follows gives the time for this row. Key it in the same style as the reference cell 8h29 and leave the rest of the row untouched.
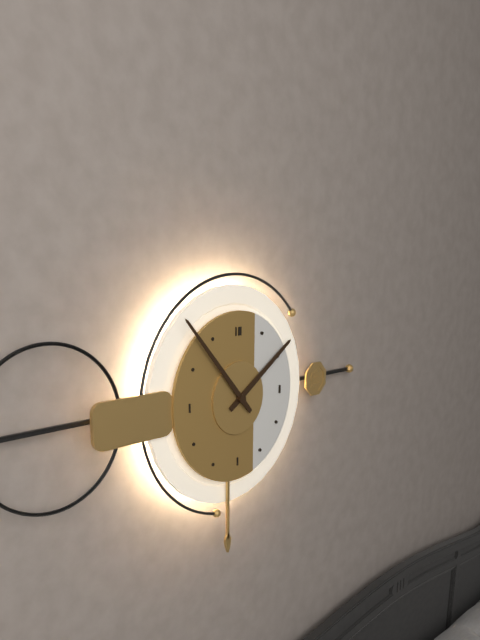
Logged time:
1h53
